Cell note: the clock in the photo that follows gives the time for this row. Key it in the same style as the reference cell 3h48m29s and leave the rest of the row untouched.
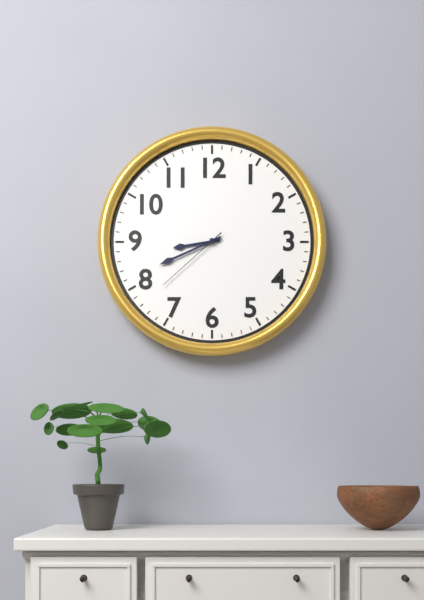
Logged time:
8h41m38s
